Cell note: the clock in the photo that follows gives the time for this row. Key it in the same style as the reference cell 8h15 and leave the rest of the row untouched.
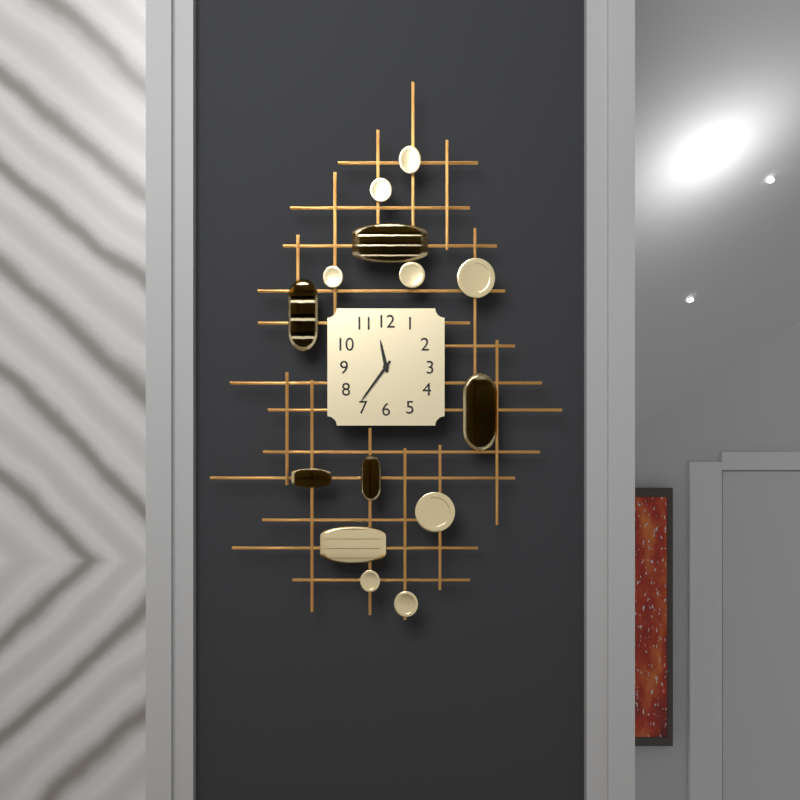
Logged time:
11h36
